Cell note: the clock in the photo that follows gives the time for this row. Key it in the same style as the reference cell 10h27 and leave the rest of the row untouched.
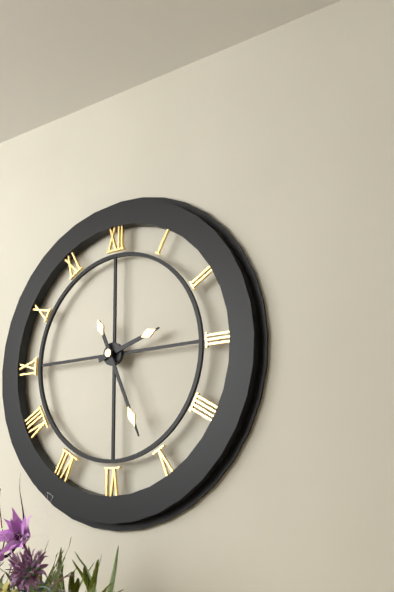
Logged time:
2h26
